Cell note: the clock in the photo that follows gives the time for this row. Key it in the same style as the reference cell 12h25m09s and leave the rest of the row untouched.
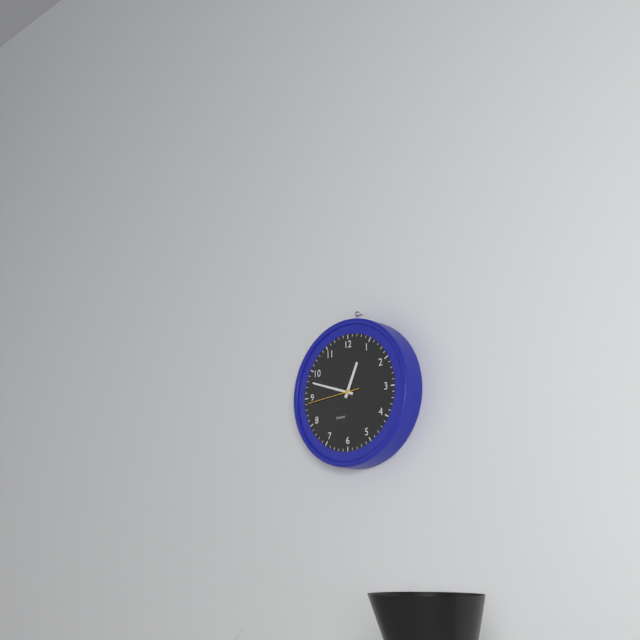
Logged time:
12h48m44s
